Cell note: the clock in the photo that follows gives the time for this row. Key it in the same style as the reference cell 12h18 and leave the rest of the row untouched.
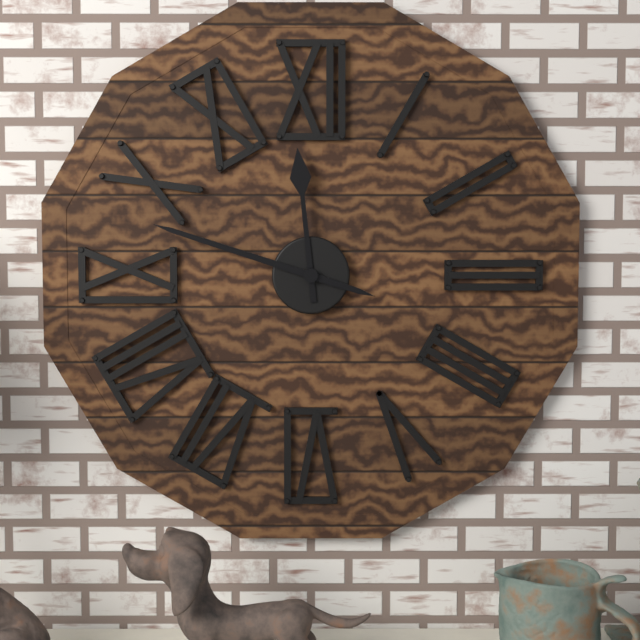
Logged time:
11h48
